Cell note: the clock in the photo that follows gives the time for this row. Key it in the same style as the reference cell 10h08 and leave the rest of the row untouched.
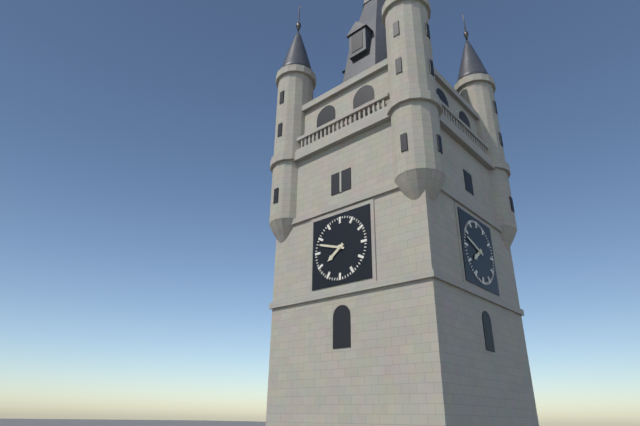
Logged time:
7h48
